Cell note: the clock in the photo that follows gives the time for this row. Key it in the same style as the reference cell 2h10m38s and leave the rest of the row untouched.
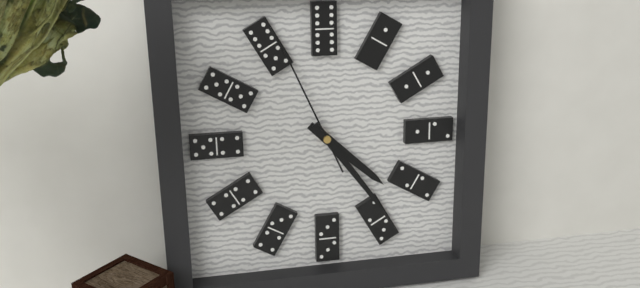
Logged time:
4h24m56s
